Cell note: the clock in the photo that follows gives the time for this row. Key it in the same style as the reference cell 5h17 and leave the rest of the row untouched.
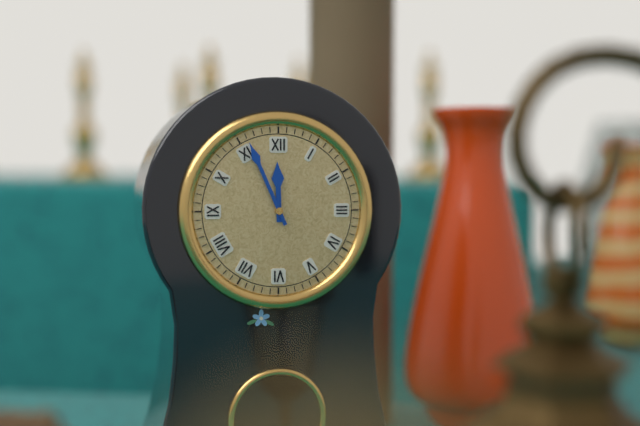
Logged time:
11h56
